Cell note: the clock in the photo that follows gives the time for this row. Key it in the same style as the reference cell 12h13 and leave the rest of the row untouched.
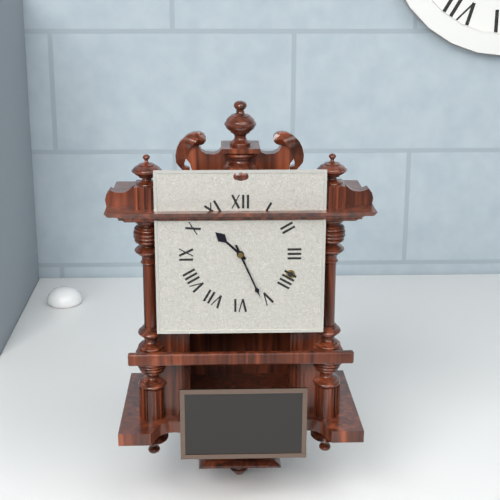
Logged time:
10h26
